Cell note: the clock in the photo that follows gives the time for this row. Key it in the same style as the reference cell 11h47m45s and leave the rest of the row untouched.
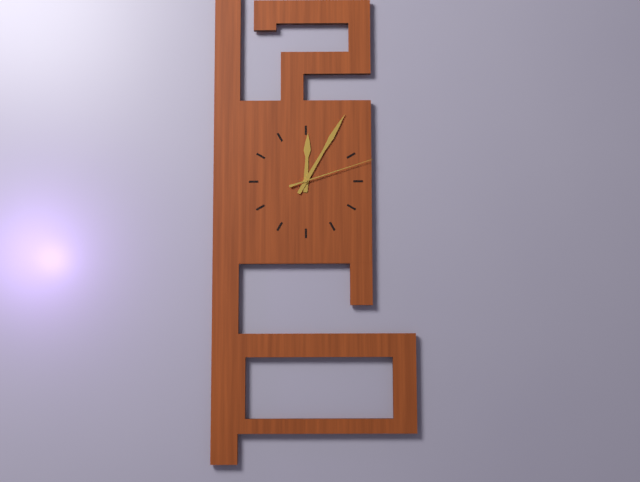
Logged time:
12h05m12s
